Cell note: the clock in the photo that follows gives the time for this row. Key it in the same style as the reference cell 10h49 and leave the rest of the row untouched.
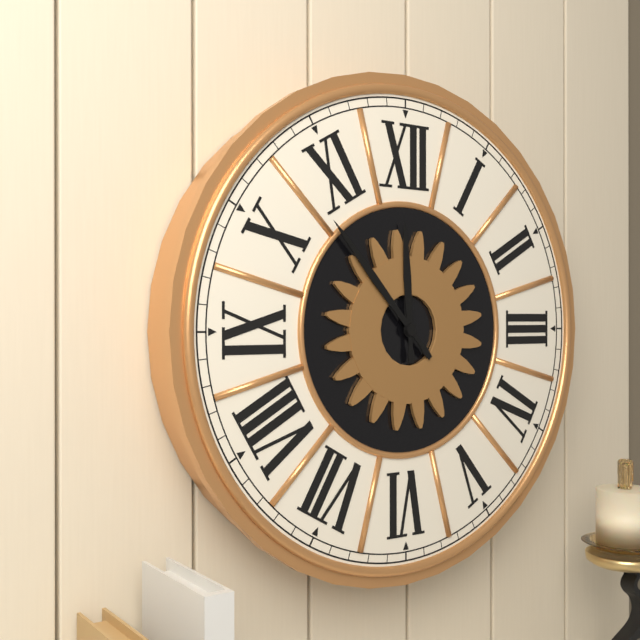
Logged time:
11h53
